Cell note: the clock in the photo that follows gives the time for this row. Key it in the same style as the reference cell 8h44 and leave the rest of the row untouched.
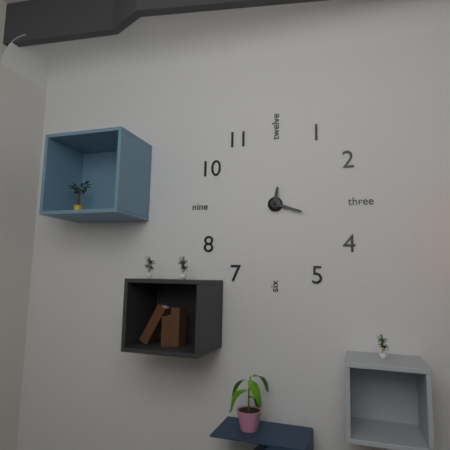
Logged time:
12h18
